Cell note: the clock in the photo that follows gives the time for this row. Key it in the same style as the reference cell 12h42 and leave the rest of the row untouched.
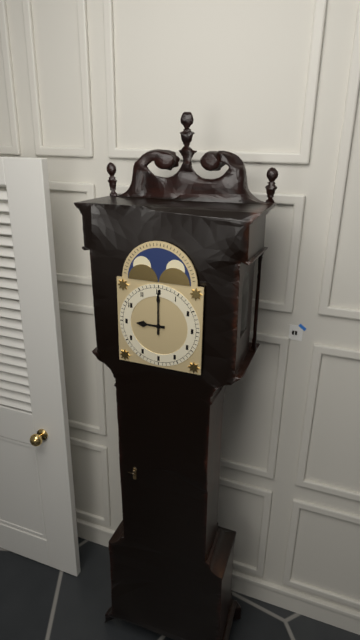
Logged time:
9h00
